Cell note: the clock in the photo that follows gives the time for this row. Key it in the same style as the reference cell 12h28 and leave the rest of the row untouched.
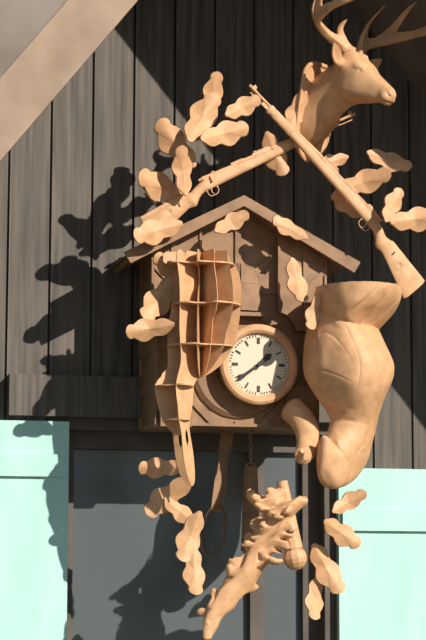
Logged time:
1h39
